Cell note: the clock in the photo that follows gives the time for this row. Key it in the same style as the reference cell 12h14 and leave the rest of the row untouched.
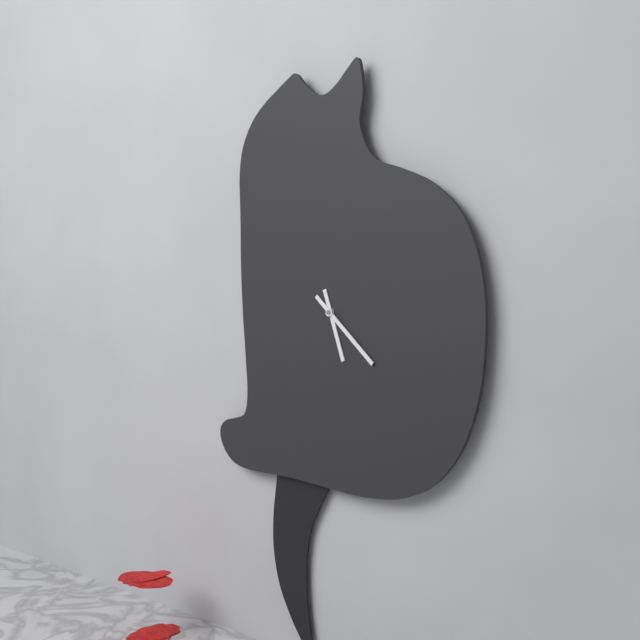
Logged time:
5h22
